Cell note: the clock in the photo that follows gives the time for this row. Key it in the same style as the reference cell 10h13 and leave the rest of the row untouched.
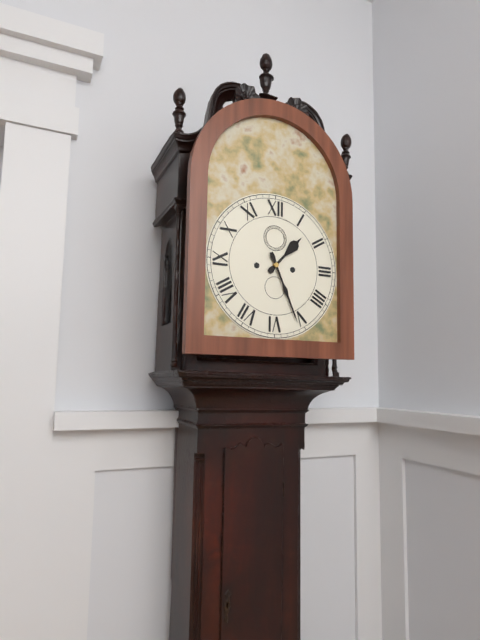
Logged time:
1h26
